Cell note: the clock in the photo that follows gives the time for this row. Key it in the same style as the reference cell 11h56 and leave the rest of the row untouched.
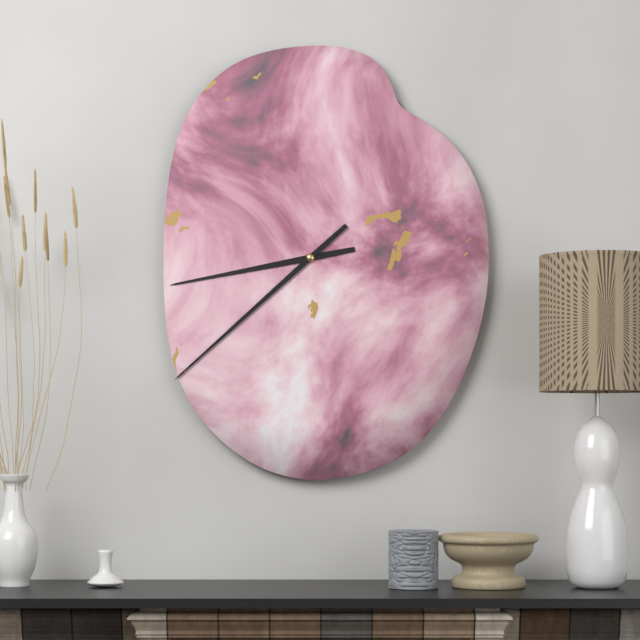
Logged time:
8h38
